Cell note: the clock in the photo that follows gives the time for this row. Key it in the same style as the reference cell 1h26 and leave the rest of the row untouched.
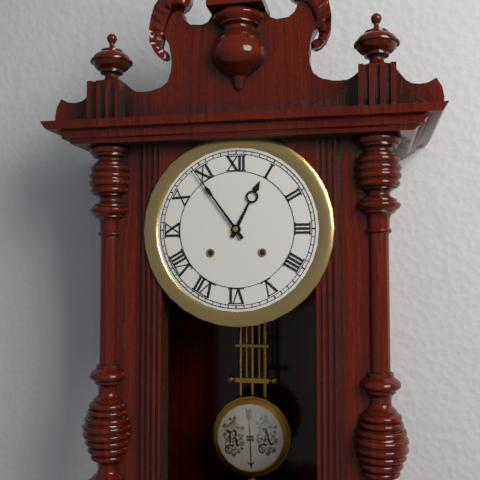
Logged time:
12h54
